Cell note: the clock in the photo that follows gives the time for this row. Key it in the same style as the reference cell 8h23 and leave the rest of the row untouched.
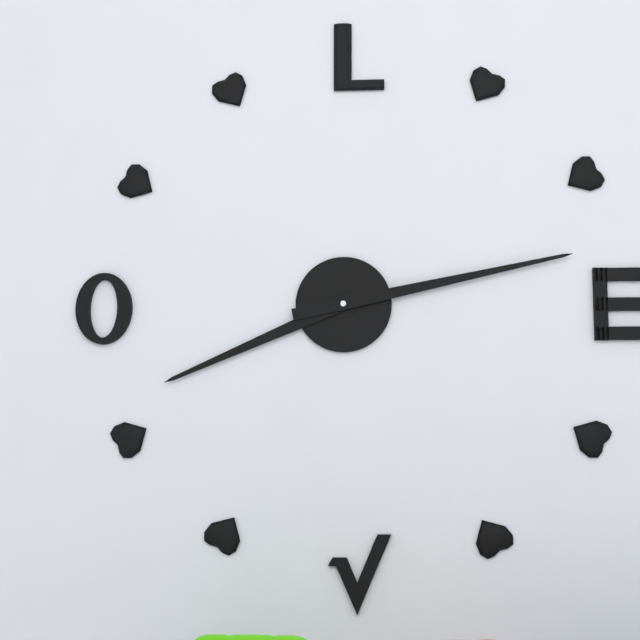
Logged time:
8h13
